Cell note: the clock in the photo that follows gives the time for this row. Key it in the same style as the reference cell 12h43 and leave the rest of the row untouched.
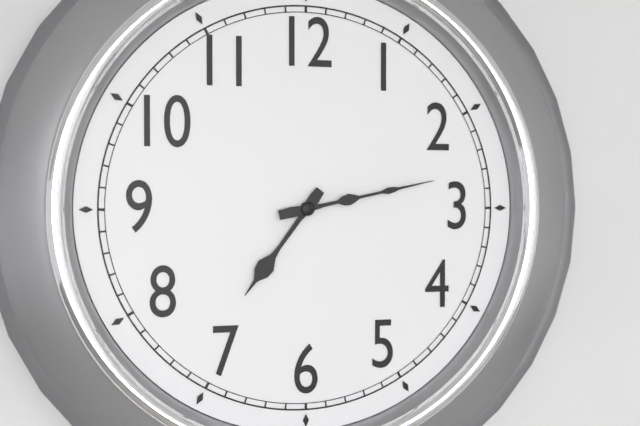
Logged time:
7h13
